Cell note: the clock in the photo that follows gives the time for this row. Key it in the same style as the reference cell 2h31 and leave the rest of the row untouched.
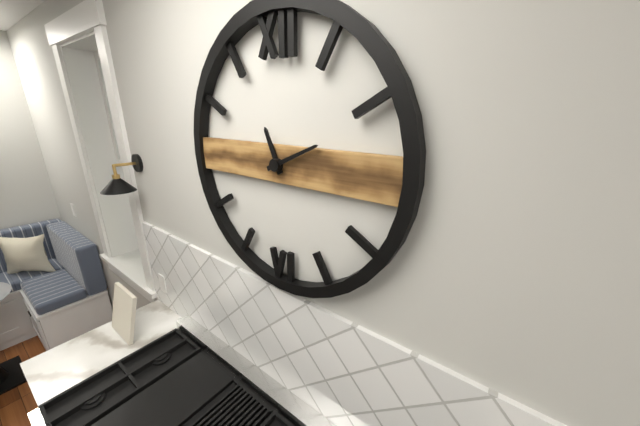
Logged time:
11h11
